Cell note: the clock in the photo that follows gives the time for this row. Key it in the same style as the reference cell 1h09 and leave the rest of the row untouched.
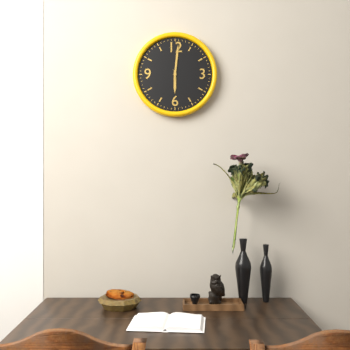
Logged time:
6h01
